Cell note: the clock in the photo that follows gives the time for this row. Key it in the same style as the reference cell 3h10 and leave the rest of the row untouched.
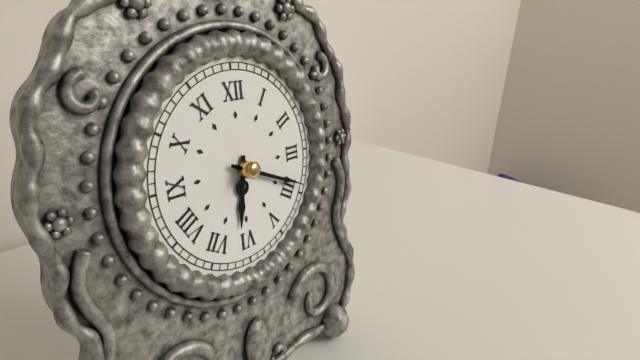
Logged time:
6h19
